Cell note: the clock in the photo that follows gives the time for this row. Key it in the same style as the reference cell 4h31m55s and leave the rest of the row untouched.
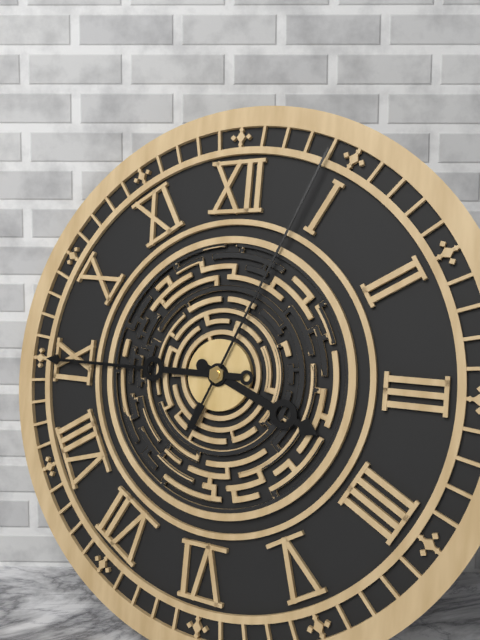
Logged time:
3h45m04s
